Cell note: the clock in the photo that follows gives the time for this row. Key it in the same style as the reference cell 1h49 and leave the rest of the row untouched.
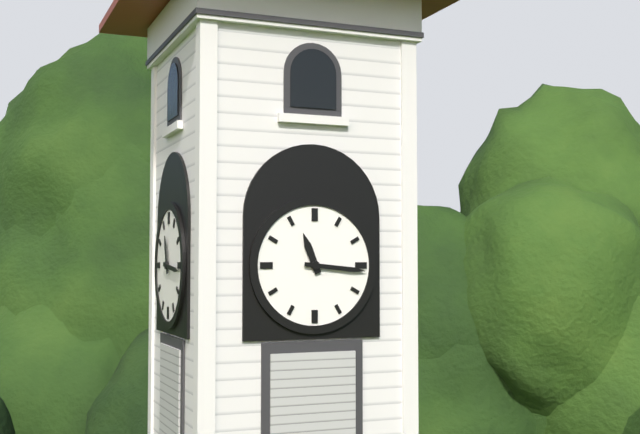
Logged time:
11h16
